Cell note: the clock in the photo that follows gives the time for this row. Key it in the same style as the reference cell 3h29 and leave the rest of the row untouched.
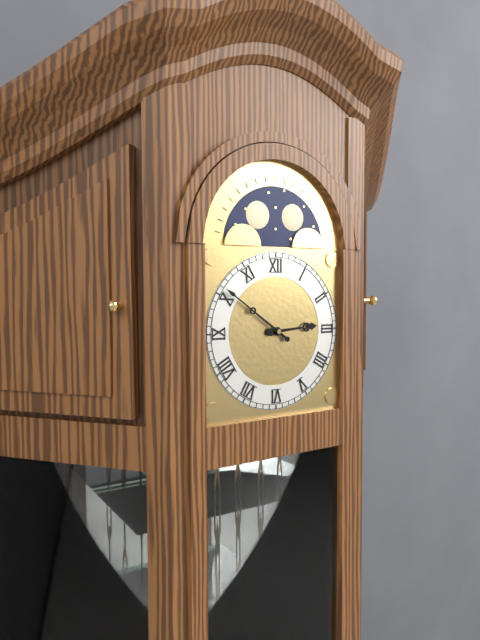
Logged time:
2h51
